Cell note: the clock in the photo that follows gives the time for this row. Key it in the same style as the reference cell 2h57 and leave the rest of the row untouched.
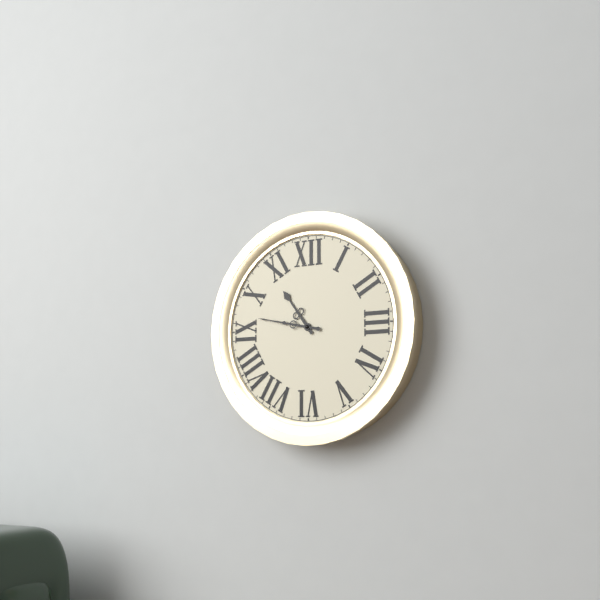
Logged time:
10h47
